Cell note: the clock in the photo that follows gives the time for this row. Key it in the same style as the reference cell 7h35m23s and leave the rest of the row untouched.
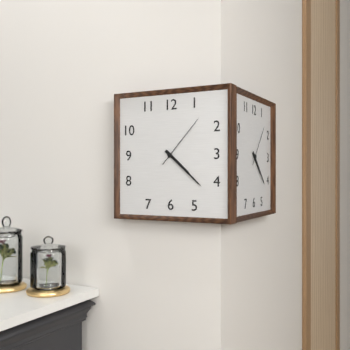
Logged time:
4h22m07s
